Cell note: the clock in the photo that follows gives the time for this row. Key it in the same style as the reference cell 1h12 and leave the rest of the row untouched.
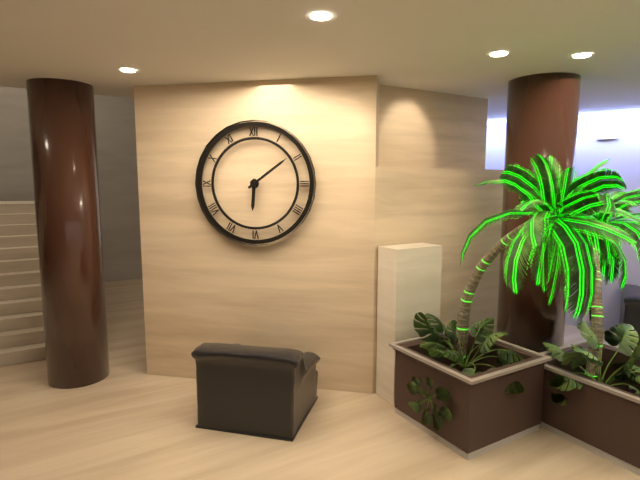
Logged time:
6h09
